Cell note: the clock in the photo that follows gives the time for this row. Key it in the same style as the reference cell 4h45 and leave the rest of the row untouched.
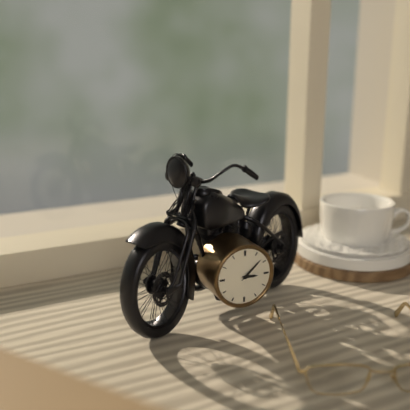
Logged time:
3h08
